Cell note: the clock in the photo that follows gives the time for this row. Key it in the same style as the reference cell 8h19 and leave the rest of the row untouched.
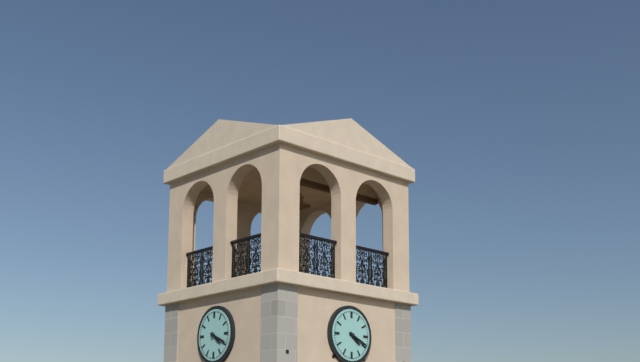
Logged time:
4h19
